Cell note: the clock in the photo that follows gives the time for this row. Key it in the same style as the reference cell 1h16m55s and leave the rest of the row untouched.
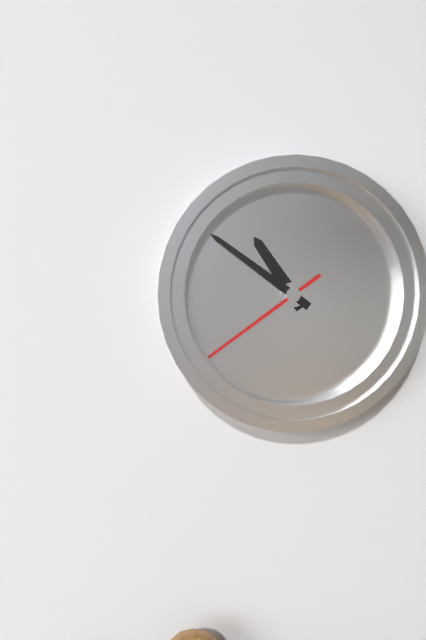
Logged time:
10h51m39s
